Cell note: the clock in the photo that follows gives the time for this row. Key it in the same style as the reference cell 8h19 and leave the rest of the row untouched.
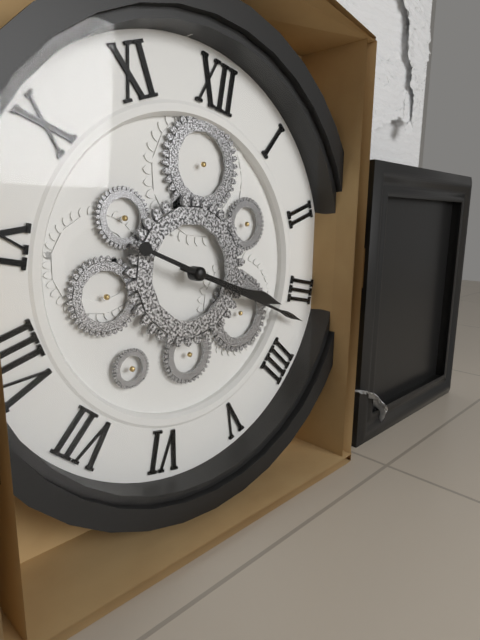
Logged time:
3h17
